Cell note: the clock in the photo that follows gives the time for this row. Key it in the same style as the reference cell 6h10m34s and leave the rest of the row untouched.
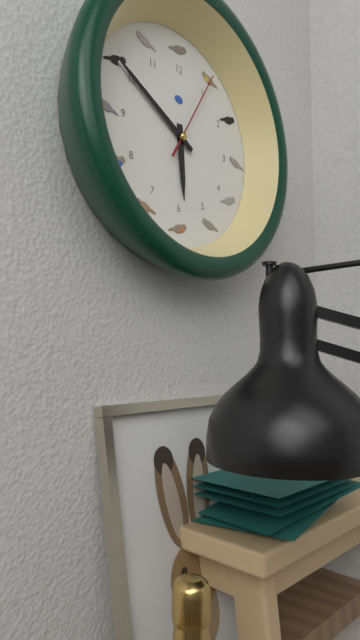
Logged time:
5h50m05s
